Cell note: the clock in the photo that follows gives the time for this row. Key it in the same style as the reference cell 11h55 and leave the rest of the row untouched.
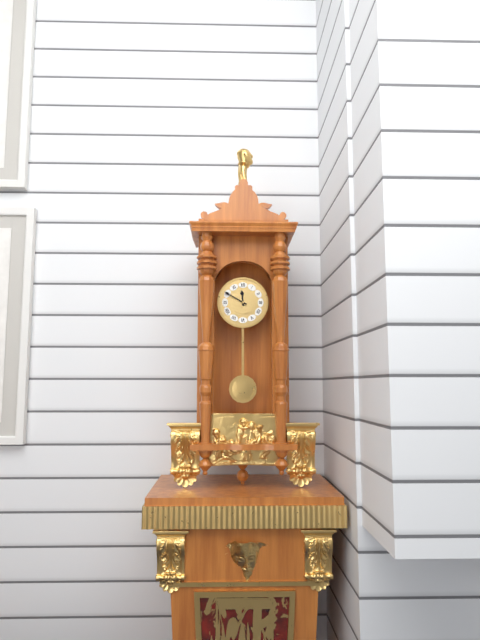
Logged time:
11h50
